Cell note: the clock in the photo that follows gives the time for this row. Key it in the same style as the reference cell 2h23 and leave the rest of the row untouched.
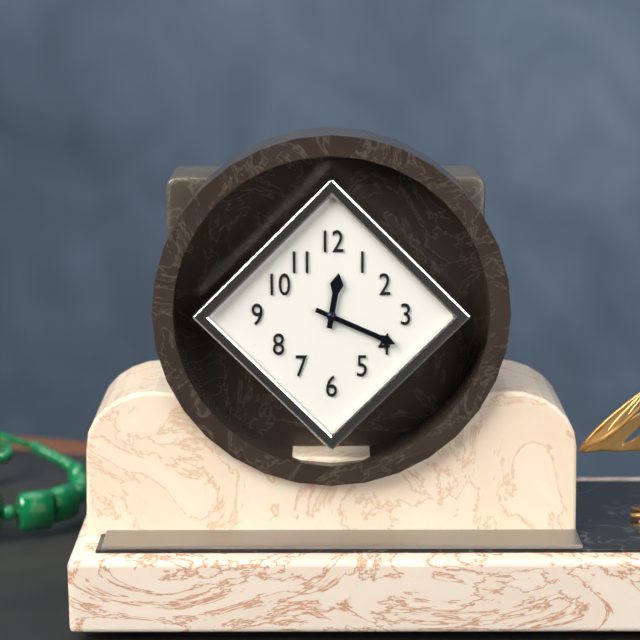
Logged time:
12h19
